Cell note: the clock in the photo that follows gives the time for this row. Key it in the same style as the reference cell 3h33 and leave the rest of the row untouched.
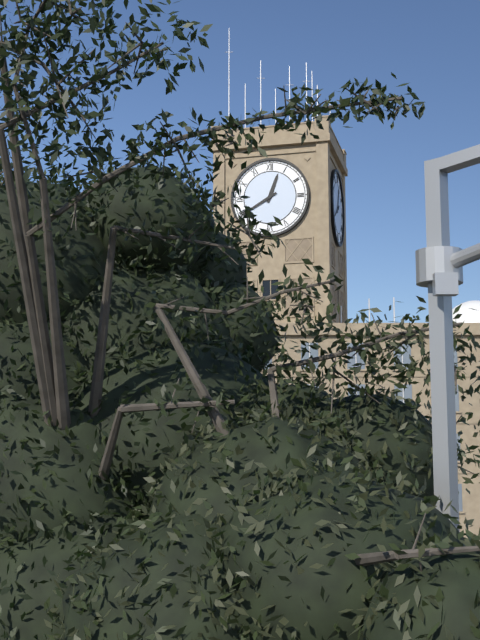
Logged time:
12h40
